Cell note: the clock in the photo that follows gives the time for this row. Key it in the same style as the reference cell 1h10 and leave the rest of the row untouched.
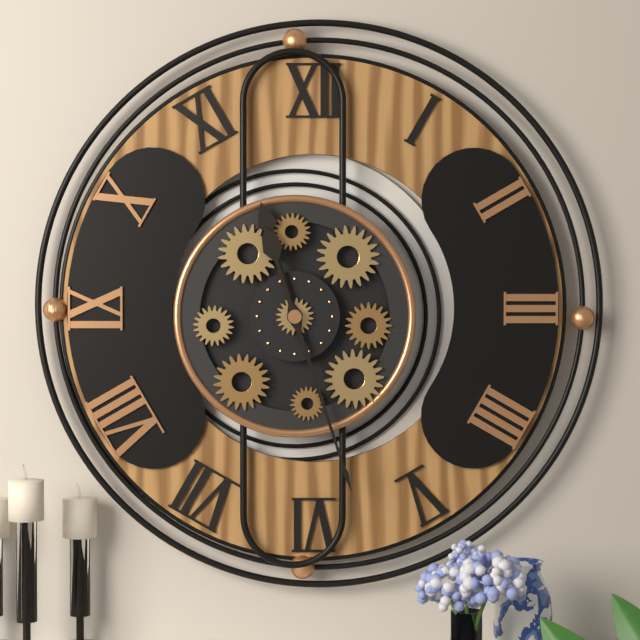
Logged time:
11h27
